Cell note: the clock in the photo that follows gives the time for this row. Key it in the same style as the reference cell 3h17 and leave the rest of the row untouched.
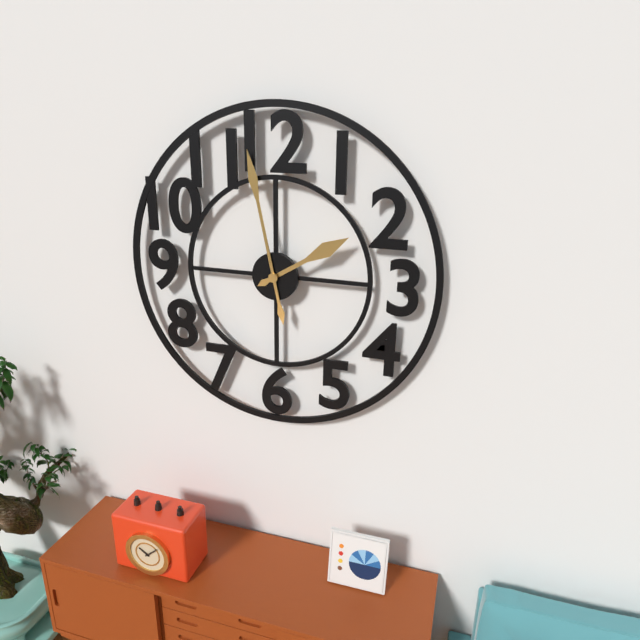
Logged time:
1h58
